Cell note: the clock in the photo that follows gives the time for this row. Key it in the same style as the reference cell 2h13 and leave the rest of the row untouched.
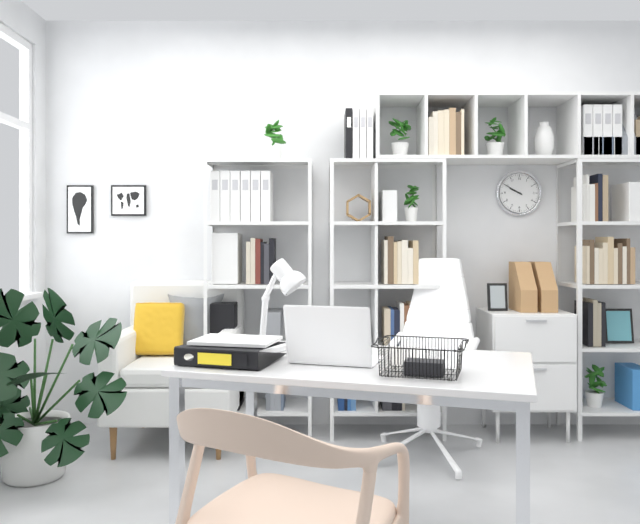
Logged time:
9h50
